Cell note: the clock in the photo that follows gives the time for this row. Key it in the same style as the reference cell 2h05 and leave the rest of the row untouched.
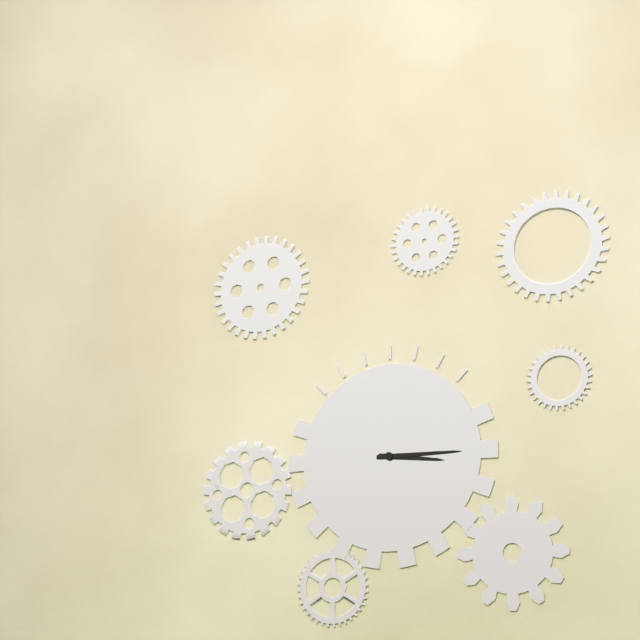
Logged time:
3h15
